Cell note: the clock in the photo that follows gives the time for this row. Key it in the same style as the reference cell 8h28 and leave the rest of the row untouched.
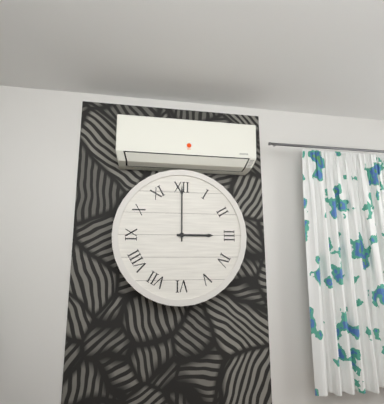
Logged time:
3h00
